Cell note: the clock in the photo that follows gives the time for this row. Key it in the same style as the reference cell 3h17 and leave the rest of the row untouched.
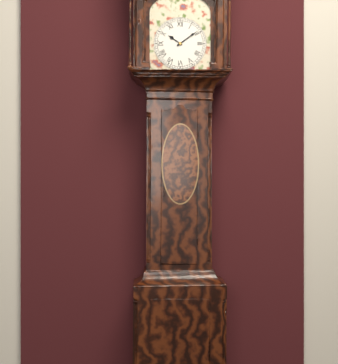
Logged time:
10h09
